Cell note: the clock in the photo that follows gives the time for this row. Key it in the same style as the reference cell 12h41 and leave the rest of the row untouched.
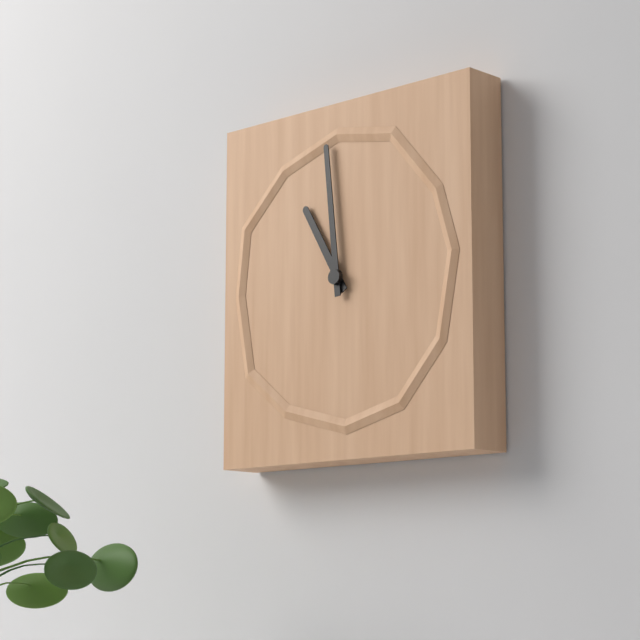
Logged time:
10h59
